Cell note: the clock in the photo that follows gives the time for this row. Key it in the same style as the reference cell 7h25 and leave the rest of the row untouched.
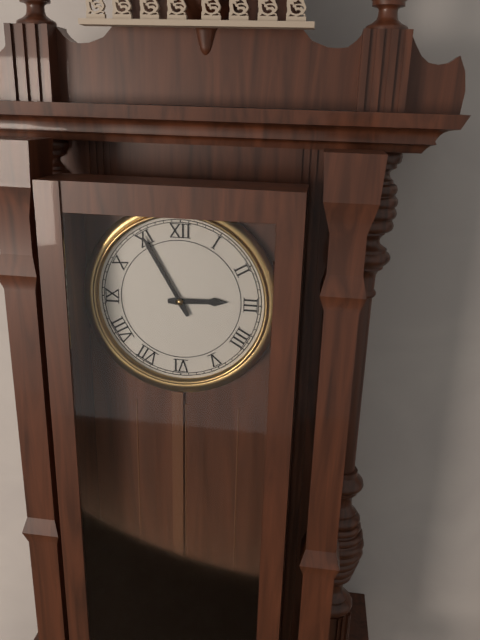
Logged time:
2h55
